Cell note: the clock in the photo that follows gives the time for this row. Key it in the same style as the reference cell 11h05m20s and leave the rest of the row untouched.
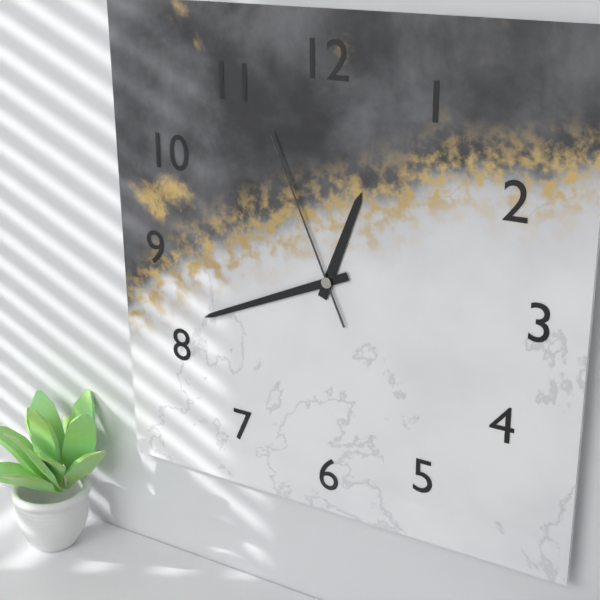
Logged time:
12h41m56s
